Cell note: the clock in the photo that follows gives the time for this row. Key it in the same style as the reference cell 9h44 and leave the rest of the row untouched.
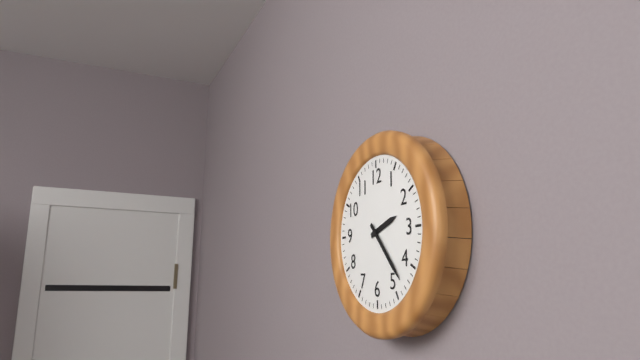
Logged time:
2h23
